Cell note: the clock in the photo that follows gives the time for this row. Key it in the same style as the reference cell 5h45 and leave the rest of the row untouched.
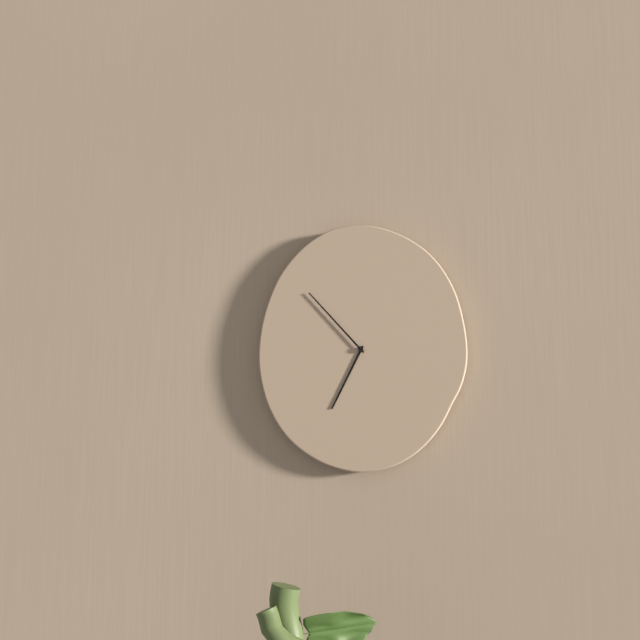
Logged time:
6h53
